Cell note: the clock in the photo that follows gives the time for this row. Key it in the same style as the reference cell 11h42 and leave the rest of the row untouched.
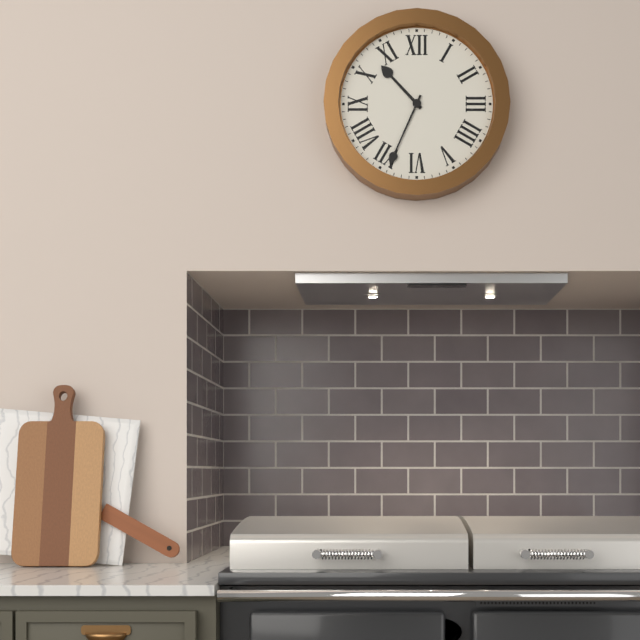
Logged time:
10h34
